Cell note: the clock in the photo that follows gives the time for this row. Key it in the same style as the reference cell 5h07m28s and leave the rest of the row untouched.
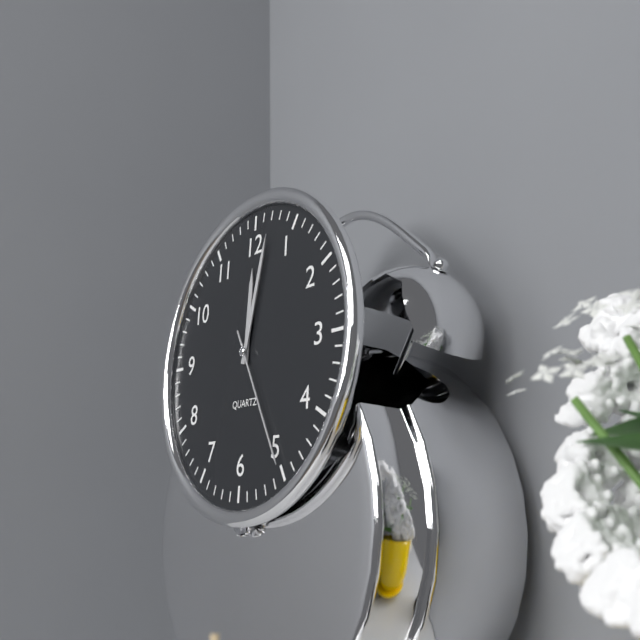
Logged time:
12h02m25s
